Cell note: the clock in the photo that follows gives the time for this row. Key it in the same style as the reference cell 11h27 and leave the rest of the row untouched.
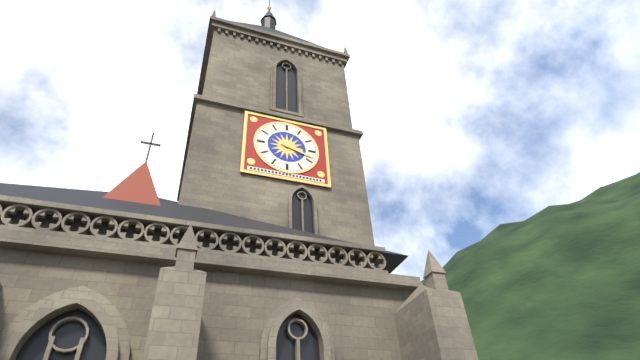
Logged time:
3h18
